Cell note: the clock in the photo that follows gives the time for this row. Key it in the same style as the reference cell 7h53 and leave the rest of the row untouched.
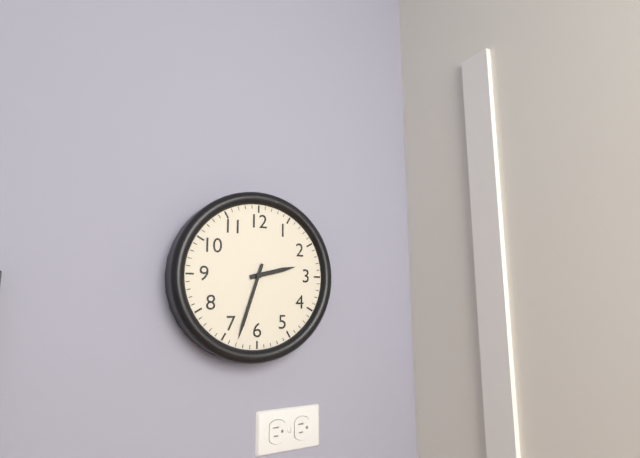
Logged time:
2h33
